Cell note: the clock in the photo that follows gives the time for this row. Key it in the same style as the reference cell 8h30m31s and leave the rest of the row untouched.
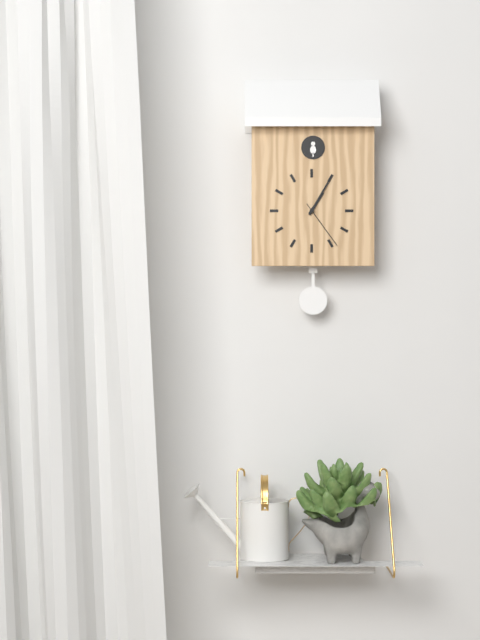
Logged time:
1h05m24s
